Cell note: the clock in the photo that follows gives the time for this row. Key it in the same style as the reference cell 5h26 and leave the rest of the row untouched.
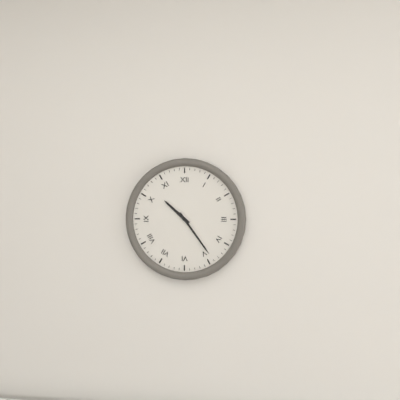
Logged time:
10h24
